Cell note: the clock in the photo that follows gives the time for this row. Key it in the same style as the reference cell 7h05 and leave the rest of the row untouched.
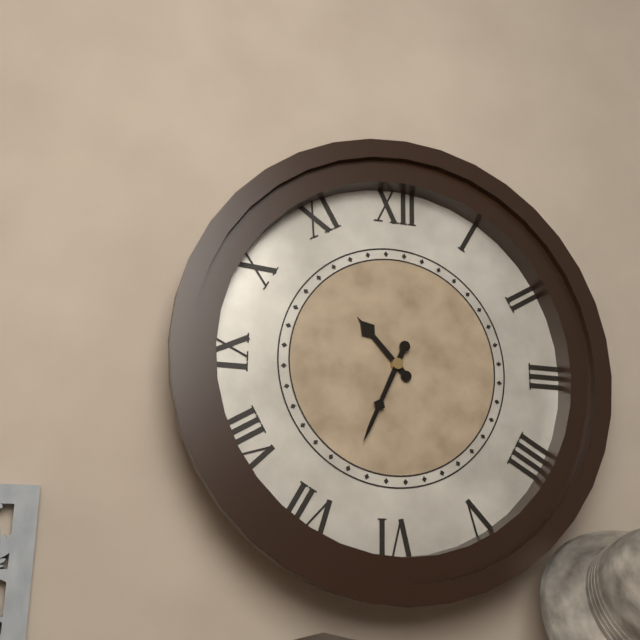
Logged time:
10h34
